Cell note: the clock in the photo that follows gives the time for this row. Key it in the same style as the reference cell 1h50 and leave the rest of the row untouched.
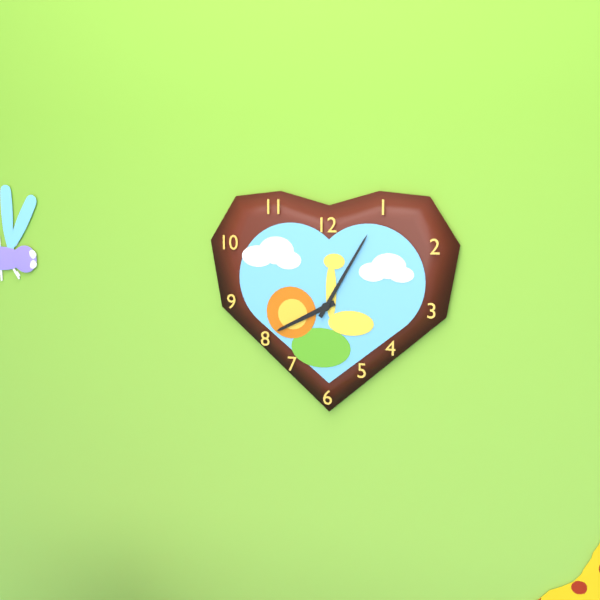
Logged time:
8h05
